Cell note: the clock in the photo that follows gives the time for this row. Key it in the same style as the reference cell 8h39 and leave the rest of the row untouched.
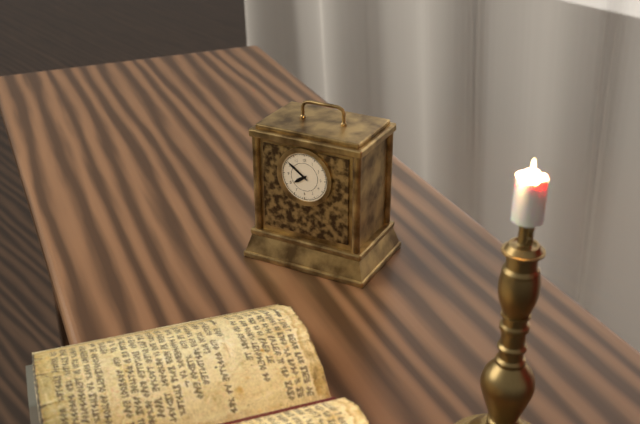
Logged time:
7h51
